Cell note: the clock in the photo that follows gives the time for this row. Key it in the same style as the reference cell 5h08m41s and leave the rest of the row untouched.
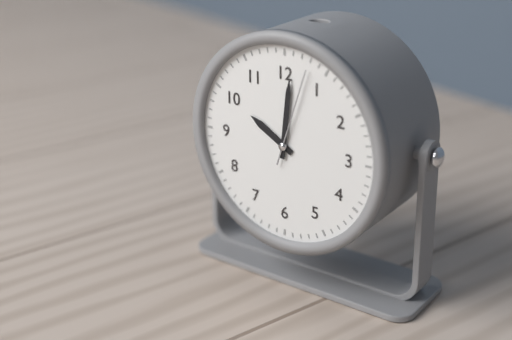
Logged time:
10h01m03s
